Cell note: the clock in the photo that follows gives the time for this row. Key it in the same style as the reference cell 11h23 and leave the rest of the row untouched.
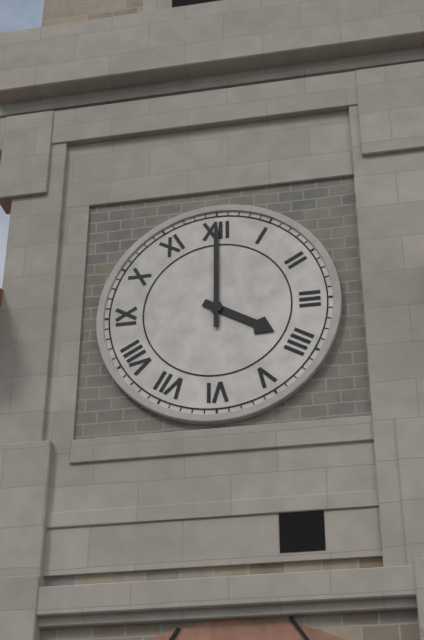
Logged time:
4h00
